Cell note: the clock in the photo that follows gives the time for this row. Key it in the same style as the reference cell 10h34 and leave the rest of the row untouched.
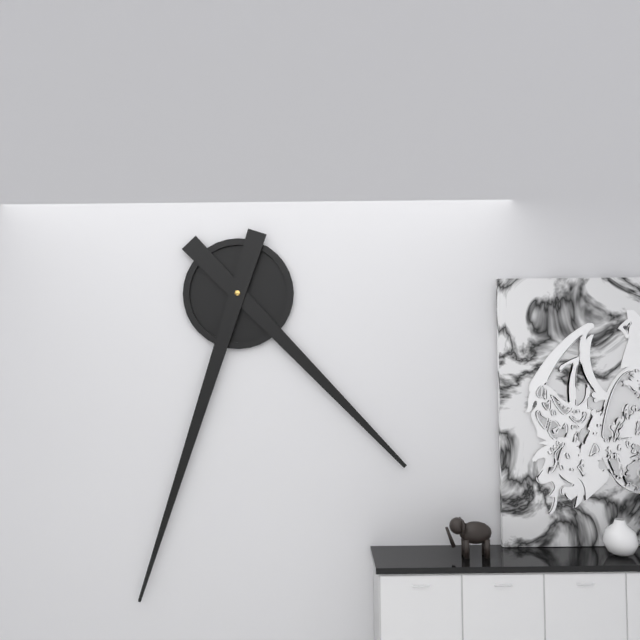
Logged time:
4h33
